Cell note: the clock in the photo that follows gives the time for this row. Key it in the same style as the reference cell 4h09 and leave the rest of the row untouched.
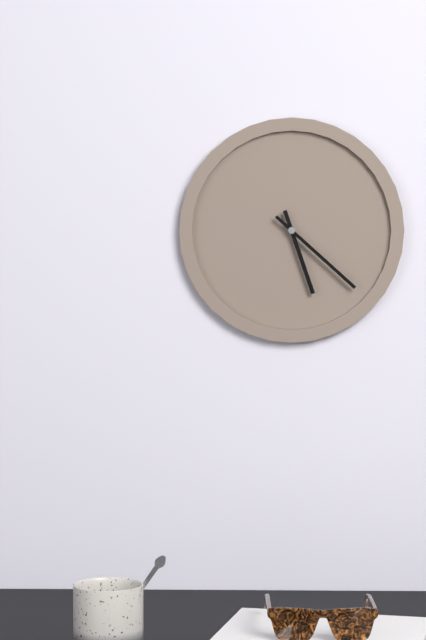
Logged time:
5h22
